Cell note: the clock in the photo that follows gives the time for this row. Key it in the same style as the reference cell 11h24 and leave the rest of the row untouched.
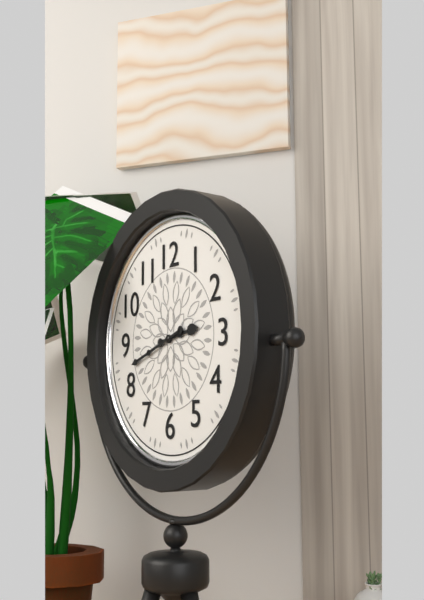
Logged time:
2h42
